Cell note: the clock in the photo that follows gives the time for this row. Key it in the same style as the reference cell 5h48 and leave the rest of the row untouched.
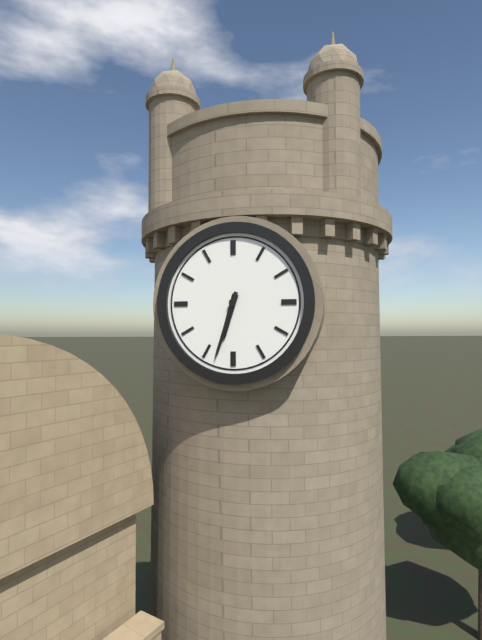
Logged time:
6h33
